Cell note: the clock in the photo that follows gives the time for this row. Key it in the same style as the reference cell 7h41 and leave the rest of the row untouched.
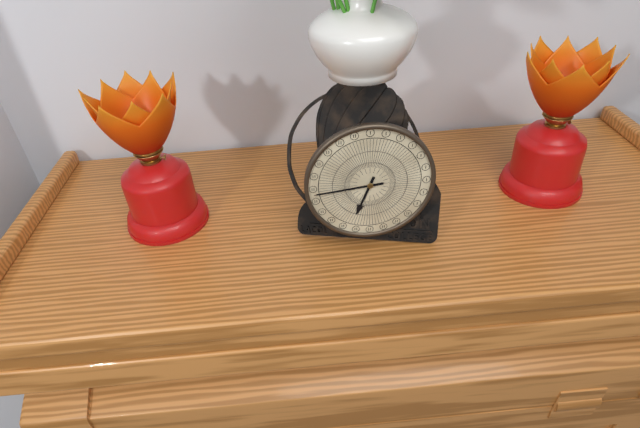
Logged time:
6h44
